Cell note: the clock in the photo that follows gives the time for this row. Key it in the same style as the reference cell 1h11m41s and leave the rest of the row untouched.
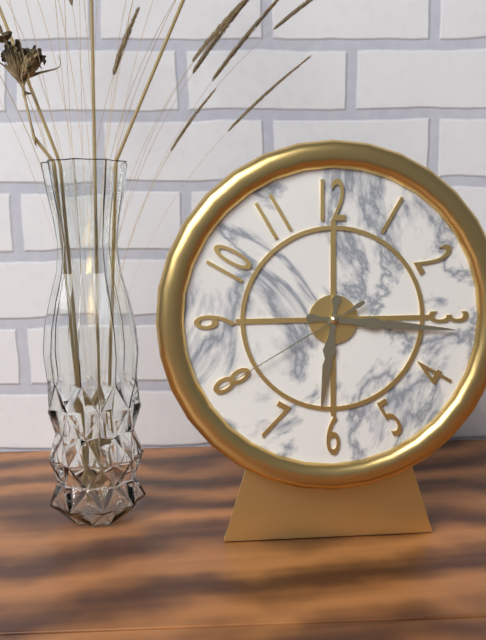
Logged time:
6h16m40s
